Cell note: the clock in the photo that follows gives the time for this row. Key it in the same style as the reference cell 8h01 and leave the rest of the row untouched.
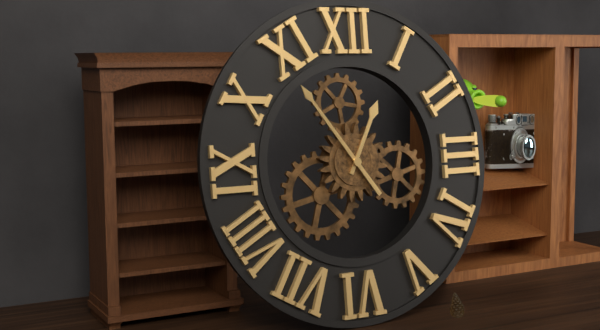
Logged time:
12h54
